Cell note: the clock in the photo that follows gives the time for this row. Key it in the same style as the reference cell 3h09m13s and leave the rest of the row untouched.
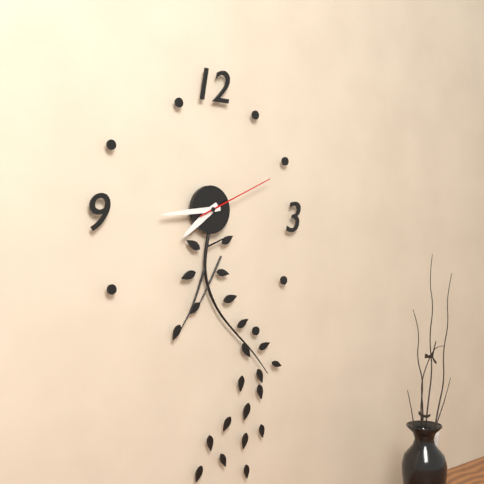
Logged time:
7h44m11s
